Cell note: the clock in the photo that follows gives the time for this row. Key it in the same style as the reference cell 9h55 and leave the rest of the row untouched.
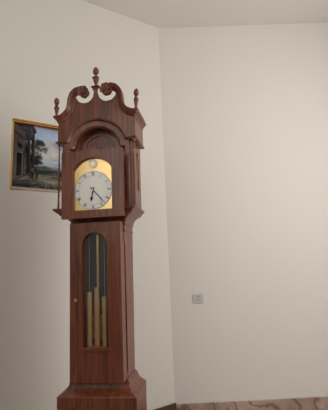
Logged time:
6h23
